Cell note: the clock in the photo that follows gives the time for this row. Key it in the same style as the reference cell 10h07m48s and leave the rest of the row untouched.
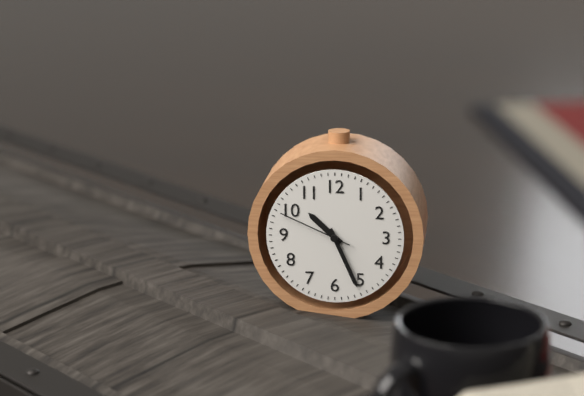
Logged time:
10h26m49s
